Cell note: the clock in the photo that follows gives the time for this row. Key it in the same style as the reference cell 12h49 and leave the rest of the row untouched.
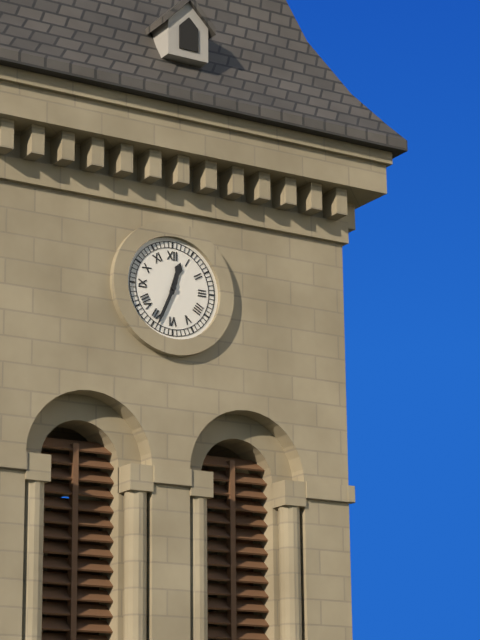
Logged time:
12h34
